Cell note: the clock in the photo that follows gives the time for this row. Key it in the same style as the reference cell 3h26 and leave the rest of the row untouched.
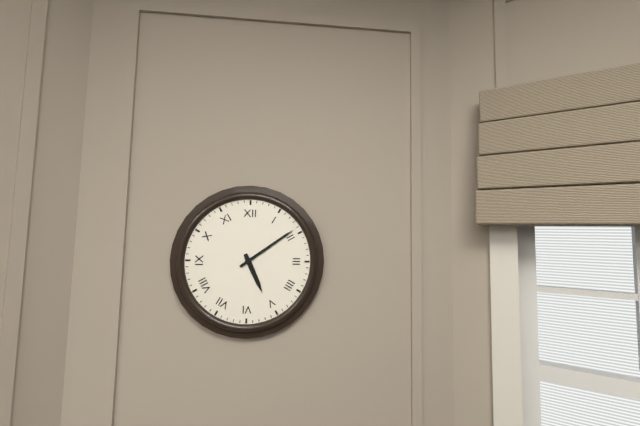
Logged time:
5h09
